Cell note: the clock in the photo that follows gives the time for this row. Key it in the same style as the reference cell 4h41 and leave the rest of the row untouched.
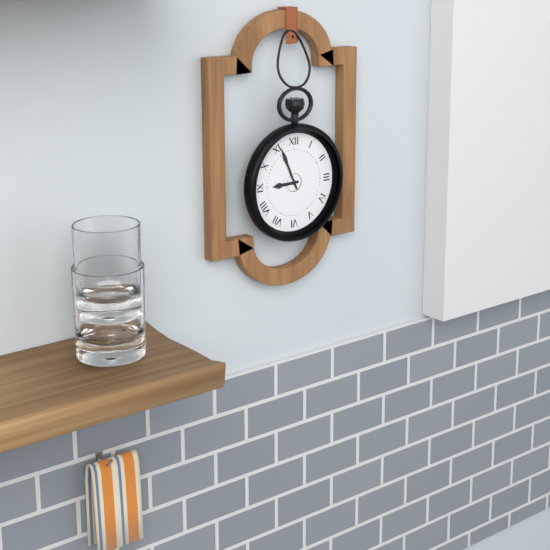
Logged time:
8h56
